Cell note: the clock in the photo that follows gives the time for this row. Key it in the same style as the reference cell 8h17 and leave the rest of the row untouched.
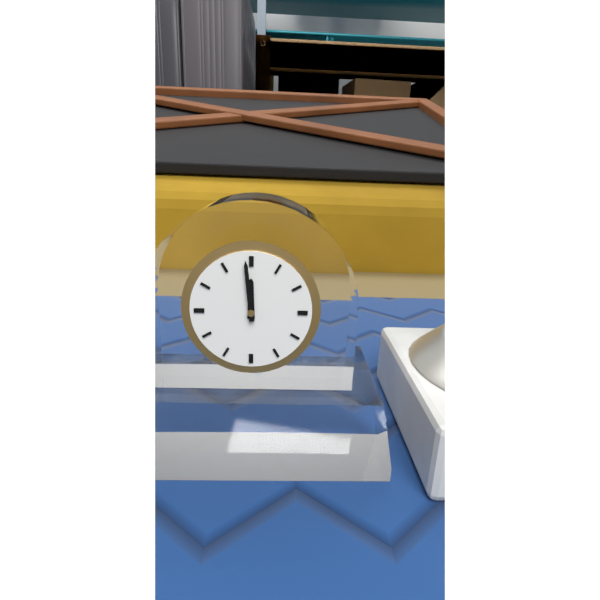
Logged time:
11h59
